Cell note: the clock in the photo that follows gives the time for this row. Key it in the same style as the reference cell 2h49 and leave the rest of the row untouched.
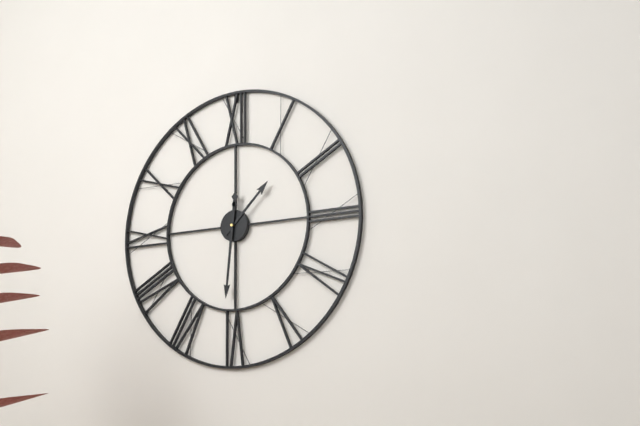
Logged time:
1h31
